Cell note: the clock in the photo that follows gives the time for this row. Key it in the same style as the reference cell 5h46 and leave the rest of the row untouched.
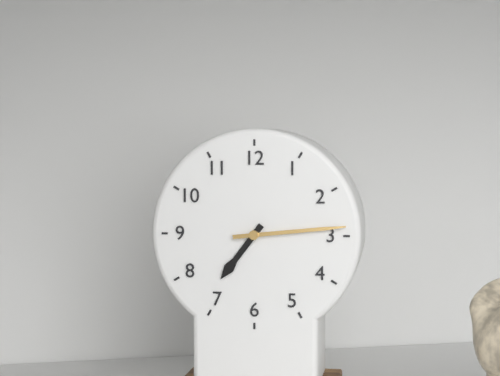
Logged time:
7h14
